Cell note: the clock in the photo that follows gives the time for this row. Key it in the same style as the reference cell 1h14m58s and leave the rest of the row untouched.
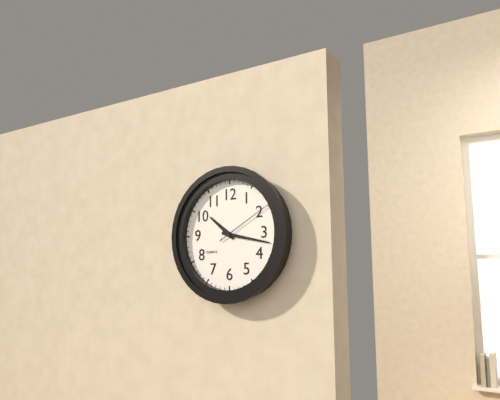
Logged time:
10h17m10s
